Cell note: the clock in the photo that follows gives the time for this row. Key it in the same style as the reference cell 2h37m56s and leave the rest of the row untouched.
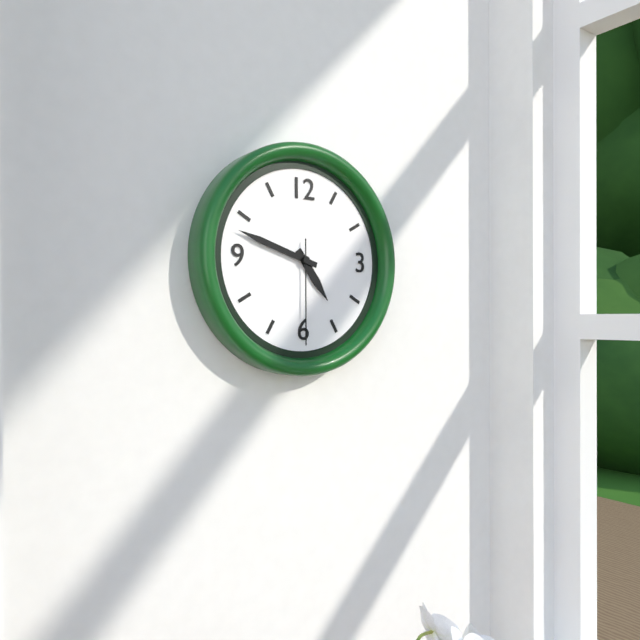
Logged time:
4h48m30s
